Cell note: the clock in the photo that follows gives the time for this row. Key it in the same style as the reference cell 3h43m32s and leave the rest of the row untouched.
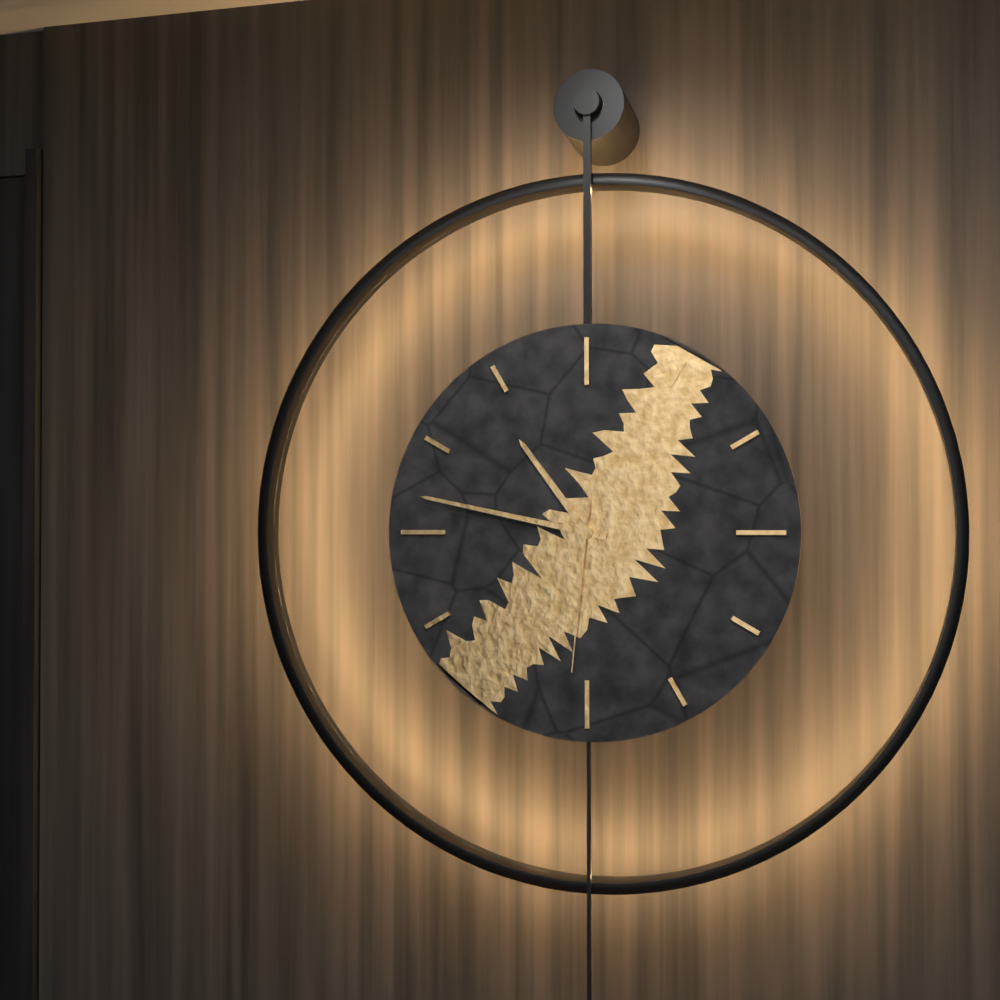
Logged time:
10h47m31s
